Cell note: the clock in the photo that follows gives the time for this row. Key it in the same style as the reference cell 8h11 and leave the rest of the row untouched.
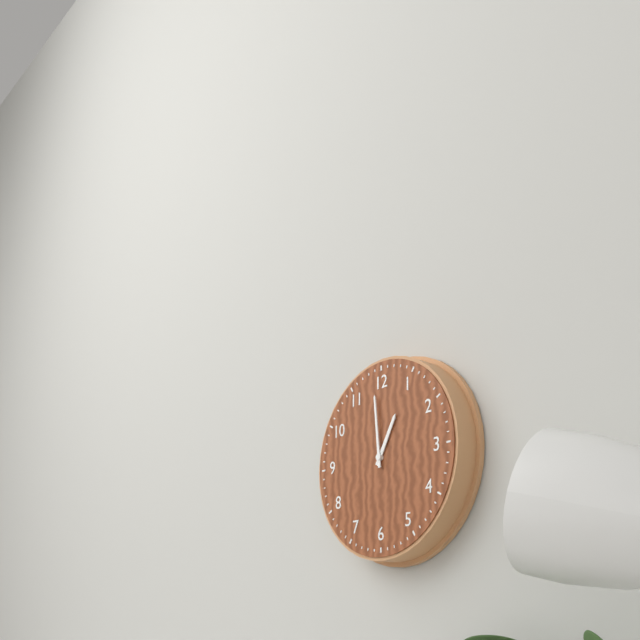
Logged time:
12h59
